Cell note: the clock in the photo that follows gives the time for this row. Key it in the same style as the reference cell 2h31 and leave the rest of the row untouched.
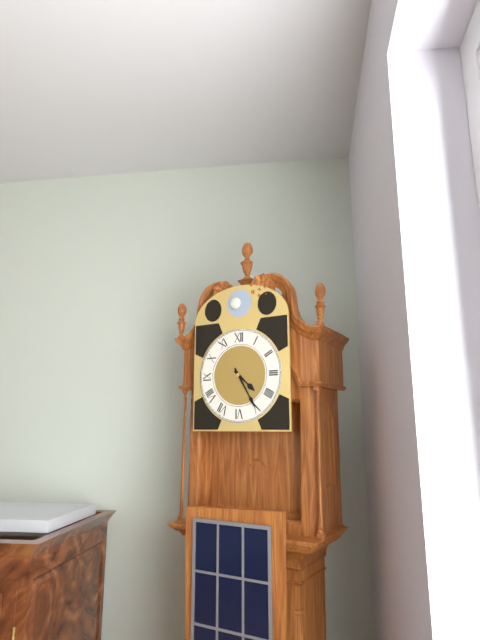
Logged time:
4h25
